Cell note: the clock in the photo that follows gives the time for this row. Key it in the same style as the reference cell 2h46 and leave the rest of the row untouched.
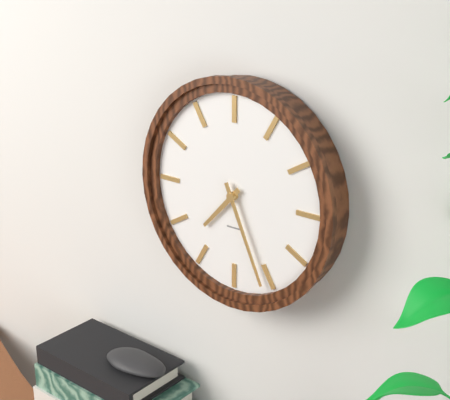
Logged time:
7h26
